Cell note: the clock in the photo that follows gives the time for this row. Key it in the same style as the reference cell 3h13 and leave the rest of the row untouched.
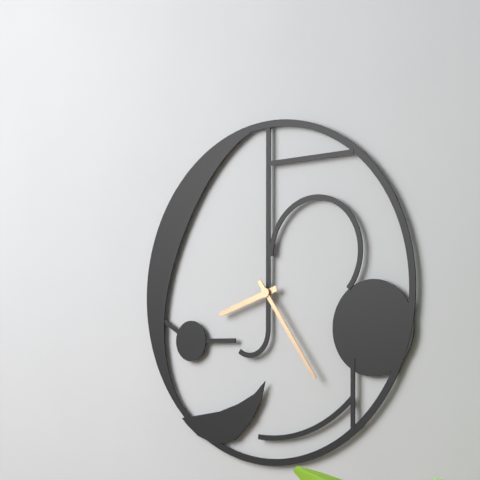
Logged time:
8h24
